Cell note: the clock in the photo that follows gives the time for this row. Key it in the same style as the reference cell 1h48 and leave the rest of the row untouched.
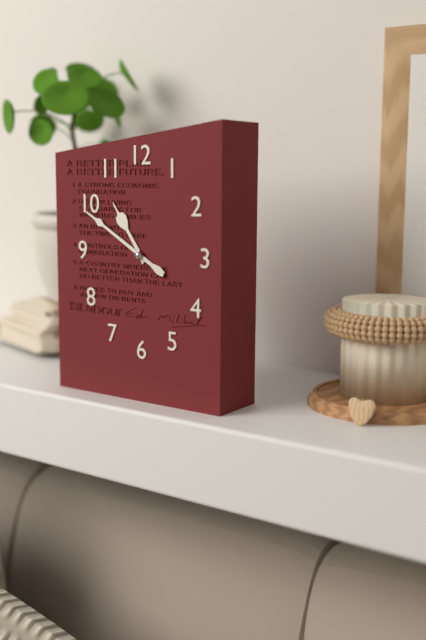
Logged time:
10h50
